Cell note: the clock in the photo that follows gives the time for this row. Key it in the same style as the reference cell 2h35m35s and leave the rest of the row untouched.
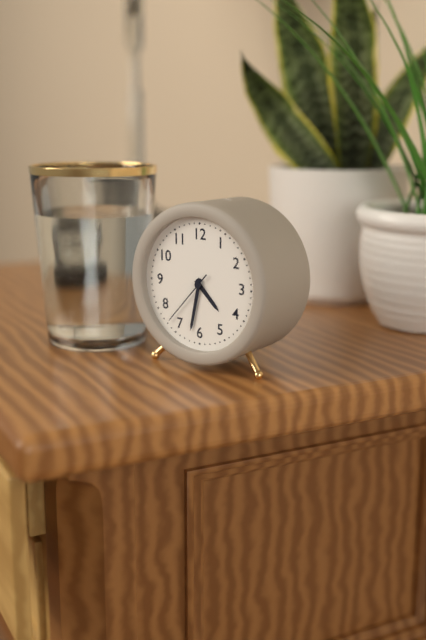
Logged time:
4h32m37s
